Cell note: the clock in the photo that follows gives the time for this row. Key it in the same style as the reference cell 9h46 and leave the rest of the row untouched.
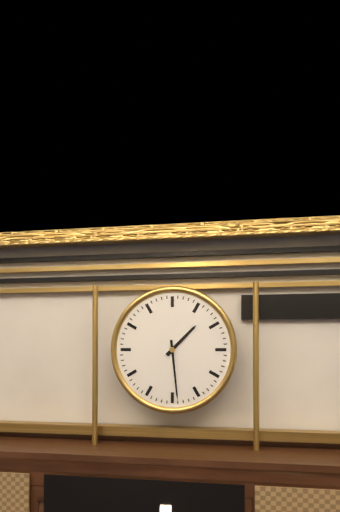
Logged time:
1h29
